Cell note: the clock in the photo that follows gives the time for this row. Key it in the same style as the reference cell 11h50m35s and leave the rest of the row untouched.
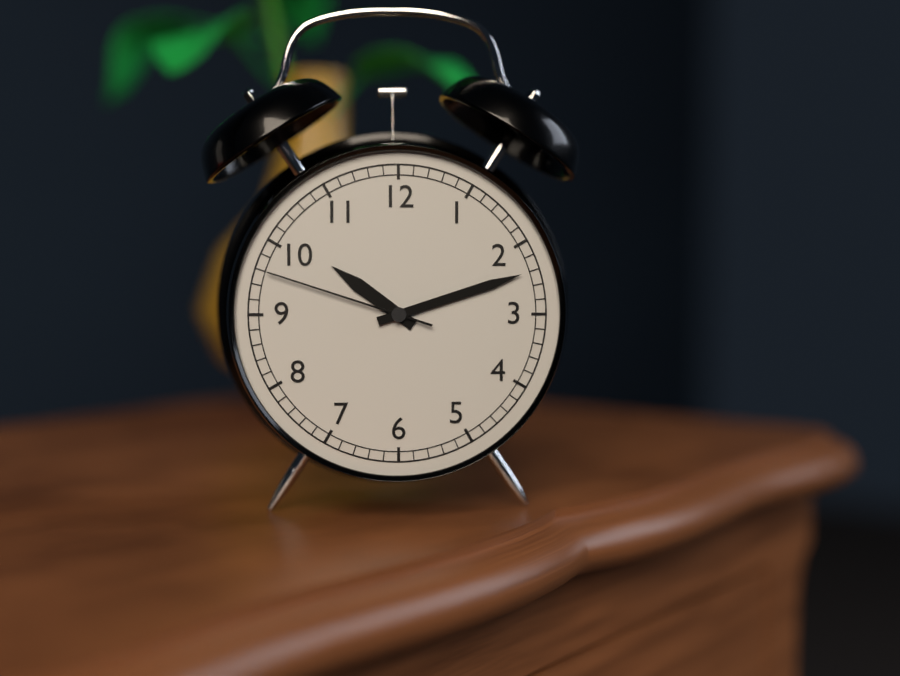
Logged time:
10h12m48s
